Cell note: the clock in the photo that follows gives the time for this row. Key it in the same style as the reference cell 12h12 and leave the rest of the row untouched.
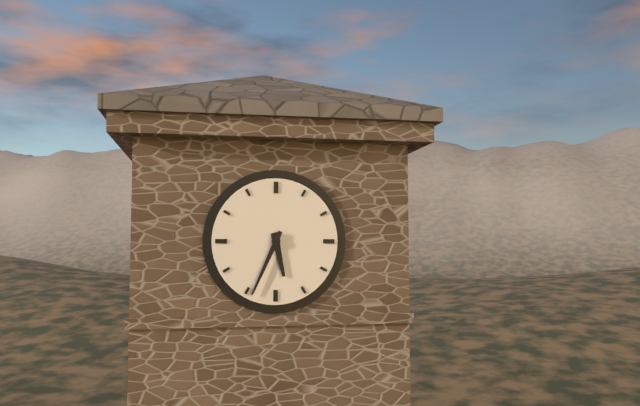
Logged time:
5h34
